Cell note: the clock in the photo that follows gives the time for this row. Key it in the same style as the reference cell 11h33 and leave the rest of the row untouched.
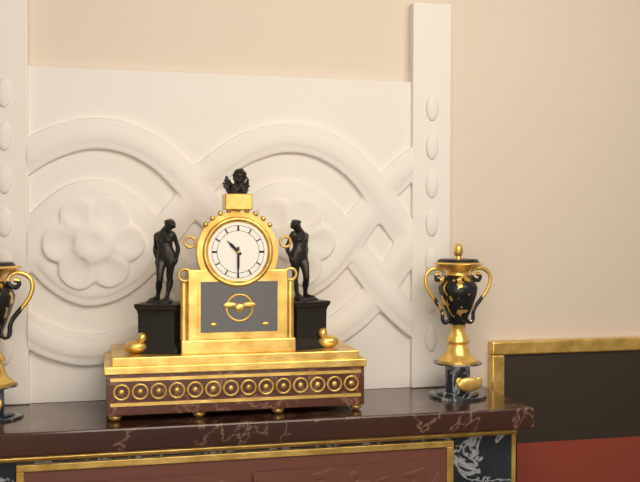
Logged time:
10h30
